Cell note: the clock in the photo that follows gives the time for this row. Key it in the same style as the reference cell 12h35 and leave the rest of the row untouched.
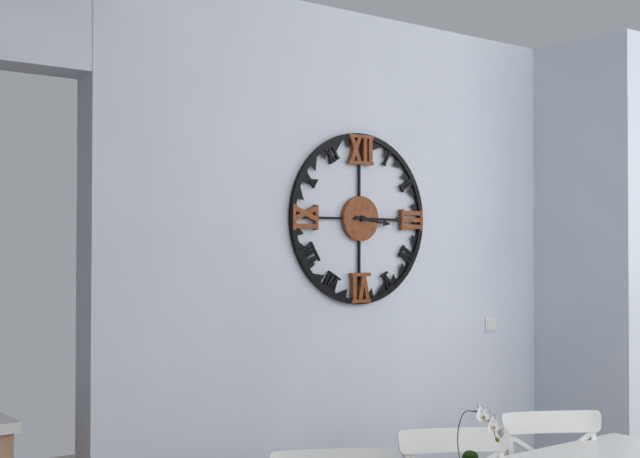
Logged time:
3h15
